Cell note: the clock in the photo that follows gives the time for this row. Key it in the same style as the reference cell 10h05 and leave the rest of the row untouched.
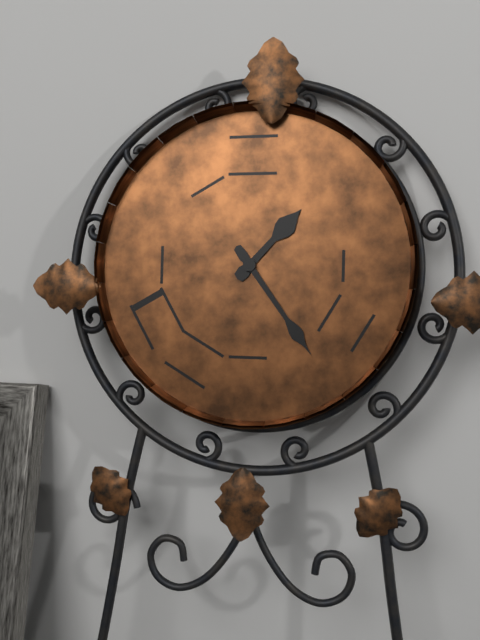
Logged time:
1h24
